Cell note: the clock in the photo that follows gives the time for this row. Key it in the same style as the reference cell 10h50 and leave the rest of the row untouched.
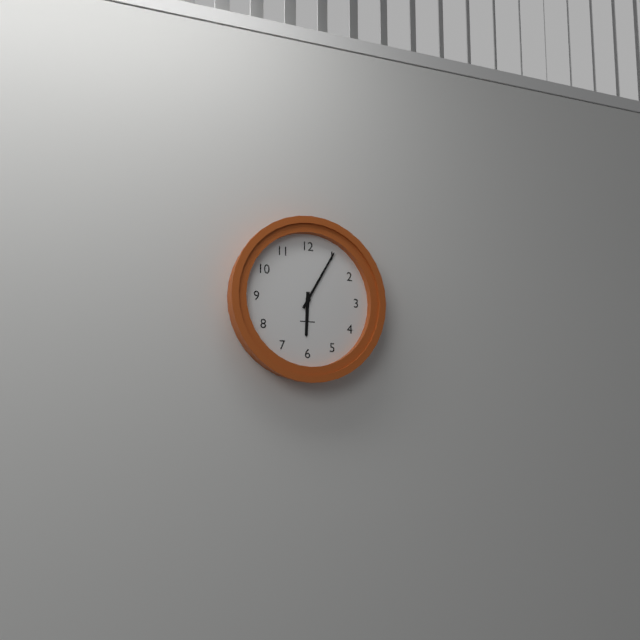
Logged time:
6h05
